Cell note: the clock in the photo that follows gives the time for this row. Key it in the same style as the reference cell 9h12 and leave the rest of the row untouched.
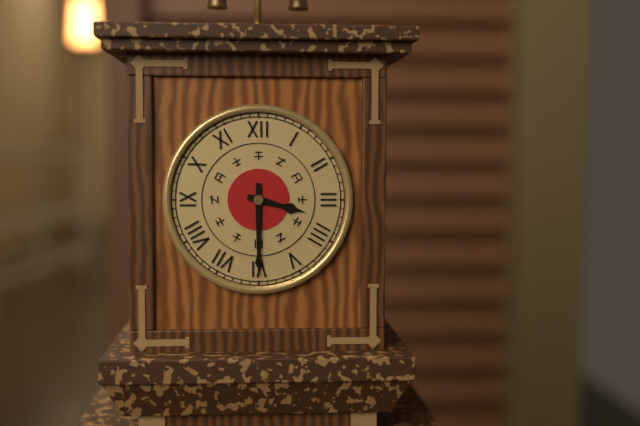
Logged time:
3h30
